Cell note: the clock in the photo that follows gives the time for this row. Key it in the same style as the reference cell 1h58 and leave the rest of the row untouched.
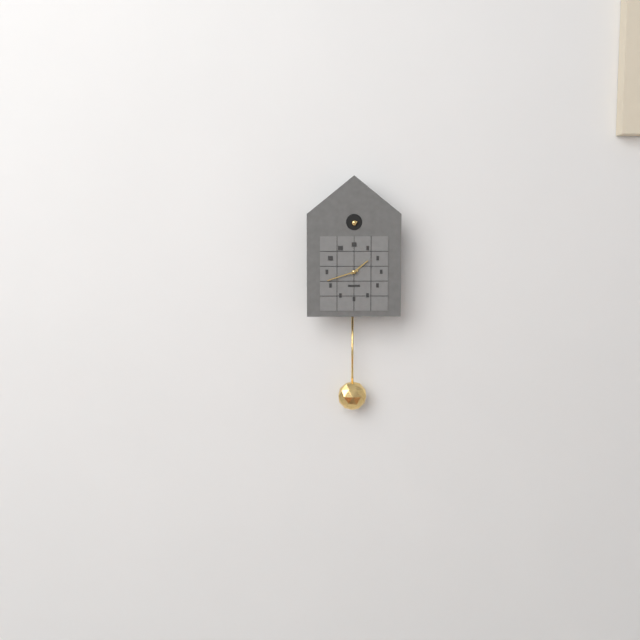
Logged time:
1h42
